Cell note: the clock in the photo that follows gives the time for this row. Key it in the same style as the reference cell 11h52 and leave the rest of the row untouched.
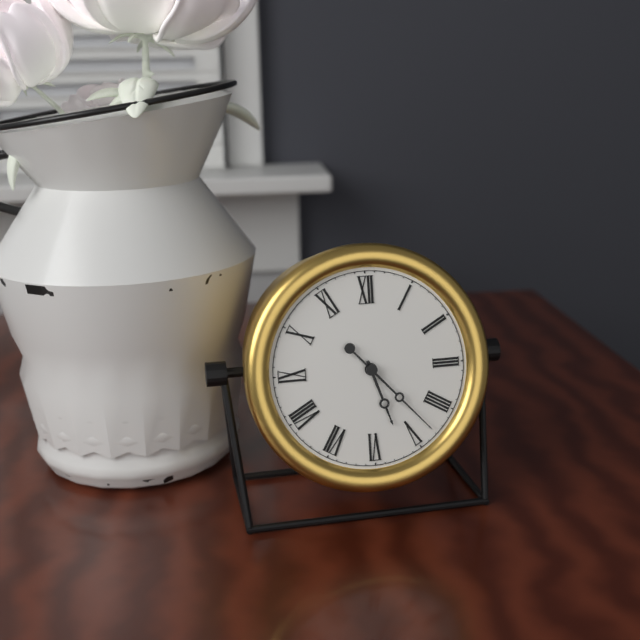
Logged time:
5h23
